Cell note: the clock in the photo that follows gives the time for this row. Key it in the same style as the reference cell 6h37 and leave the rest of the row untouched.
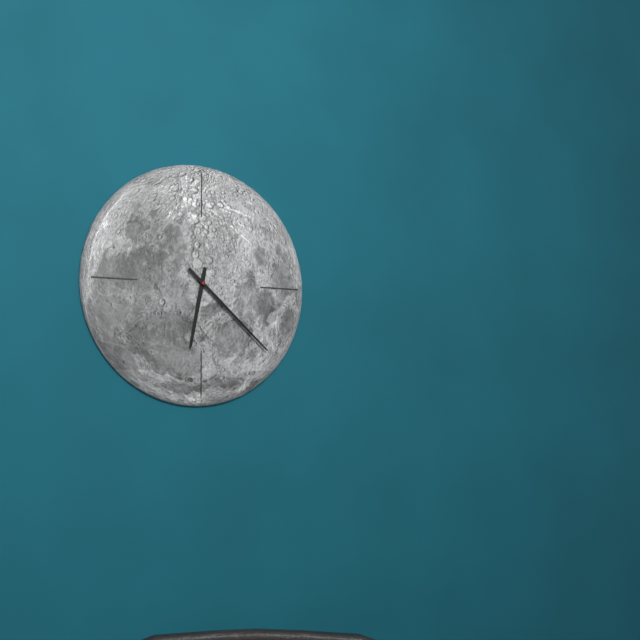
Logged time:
6h22
